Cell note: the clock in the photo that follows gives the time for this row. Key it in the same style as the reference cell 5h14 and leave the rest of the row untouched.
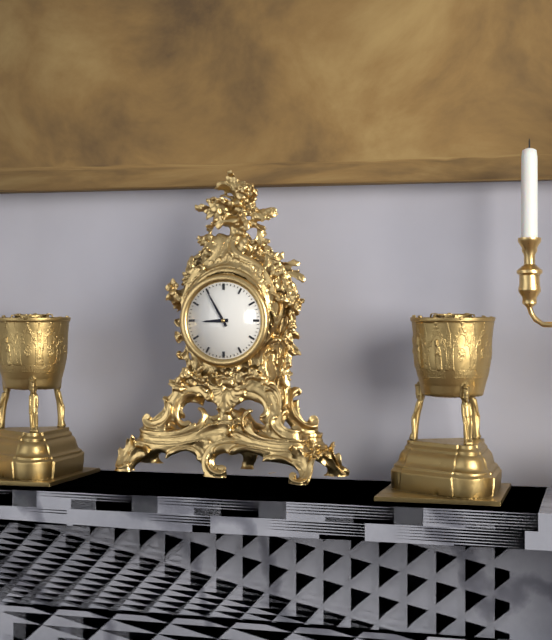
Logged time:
8h55
